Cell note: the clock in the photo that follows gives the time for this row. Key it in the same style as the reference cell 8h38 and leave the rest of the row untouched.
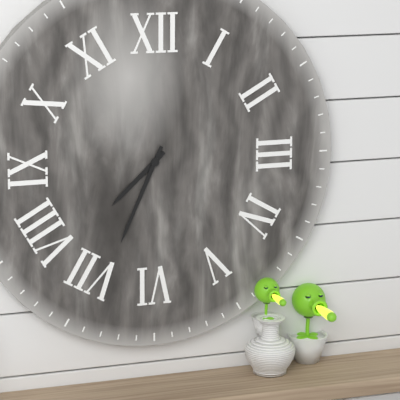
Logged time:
7h34
